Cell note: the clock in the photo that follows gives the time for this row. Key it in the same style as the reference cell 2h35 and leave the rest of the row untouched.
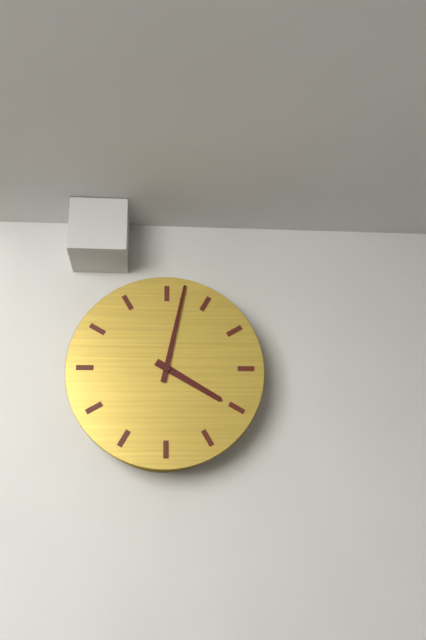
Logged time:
4h02
